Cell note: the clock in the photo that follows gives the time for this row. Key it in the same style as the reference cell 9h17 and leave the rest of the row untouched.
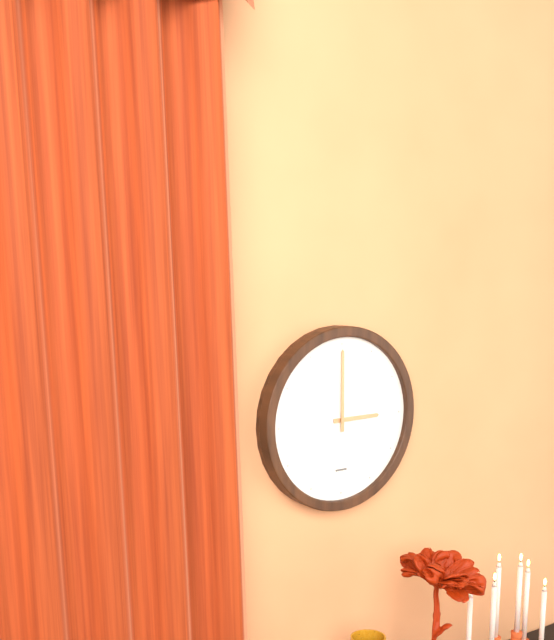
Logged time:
3h00
